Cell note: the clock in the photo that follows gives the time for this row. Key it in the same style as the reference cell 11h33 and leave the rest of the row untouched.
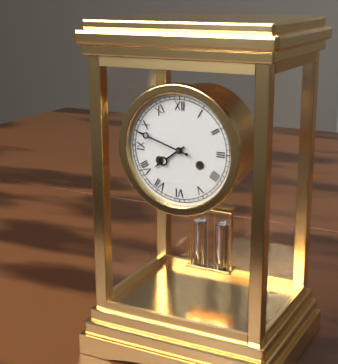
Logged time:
7h48
